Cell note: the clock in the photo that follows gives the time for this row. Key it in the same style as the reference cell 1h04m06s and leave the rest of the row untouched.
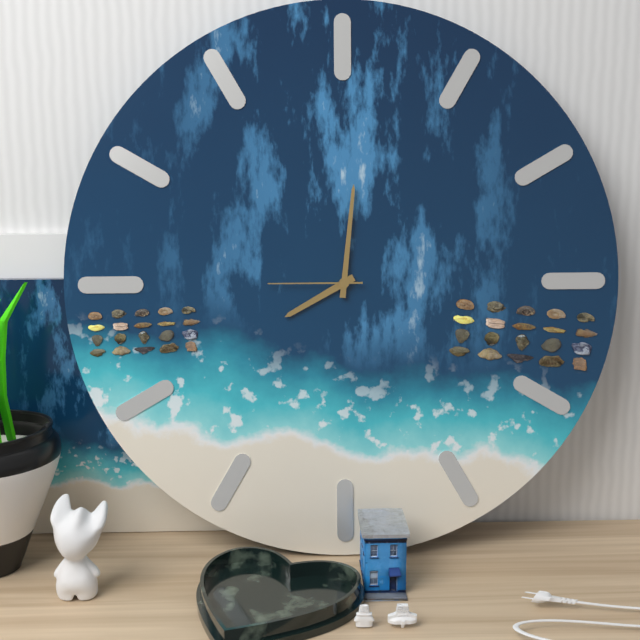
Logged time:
8h01m45s
